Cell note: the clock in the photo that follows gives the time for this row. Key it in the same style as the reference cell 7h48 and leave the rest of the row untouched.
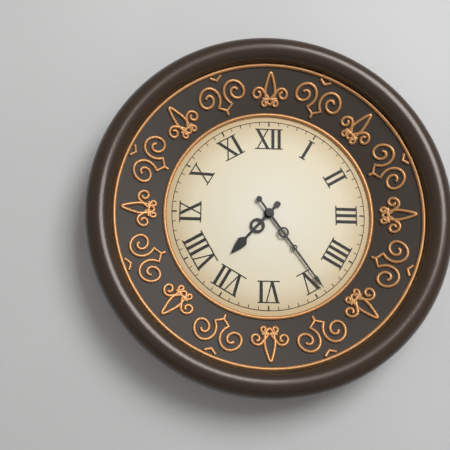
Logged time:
7h24
